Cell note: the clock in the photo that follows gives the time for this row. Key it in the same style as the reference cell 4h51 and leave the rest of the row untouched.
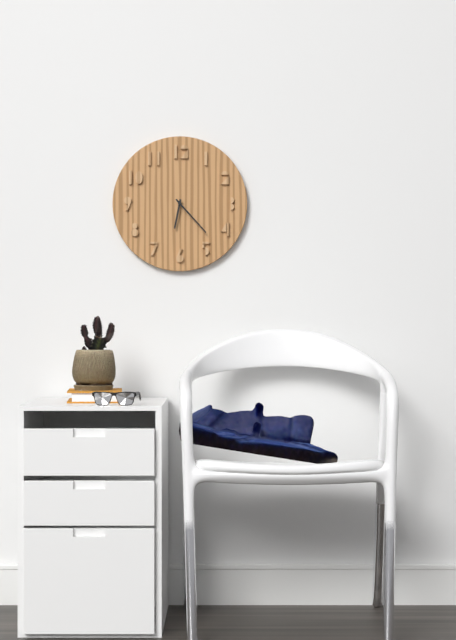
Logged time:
6h23
